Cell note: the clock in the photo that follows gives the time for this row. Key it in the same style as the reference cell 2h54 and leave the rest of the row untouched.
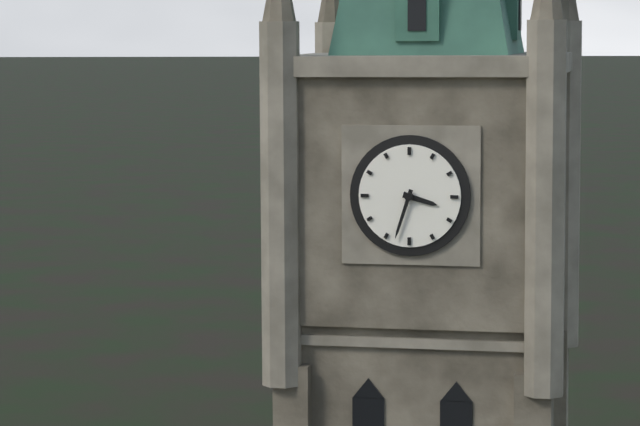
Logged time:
3h33
